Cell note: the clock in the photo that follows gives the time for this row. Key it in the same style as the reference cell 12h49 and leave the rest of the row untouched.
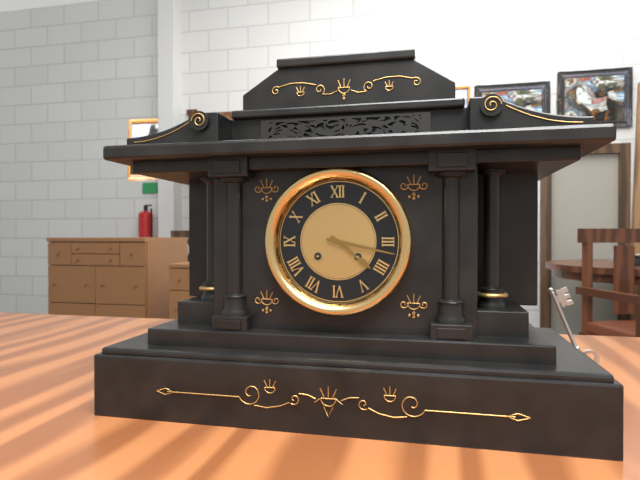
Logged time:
4h17
